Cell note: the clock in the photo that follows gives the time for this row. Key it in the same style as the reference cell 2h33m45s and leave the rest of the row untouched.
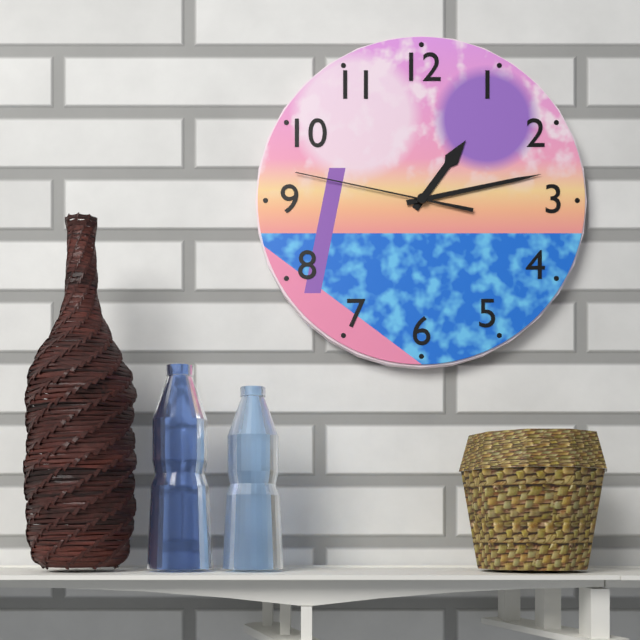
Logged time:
1h13m47s
